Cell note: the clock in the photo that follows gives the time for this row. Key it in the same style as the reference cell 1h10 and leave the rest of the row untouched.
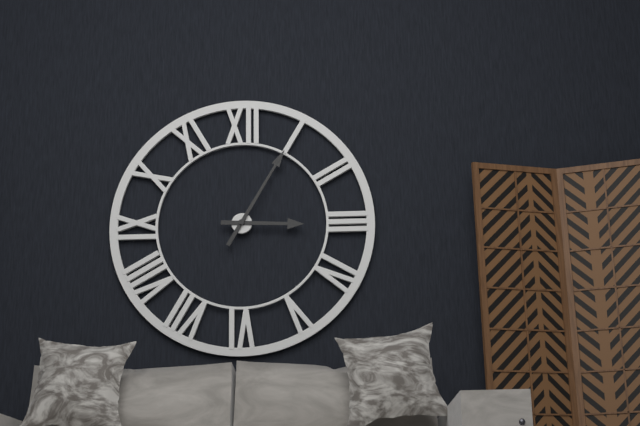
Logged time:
3h05
